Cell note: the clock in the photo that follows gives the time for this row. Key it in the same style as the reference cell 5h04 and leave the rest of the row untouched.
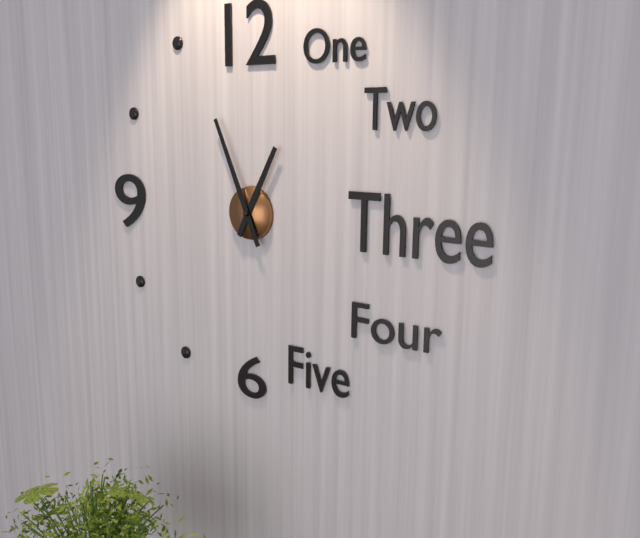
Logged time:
12h56
